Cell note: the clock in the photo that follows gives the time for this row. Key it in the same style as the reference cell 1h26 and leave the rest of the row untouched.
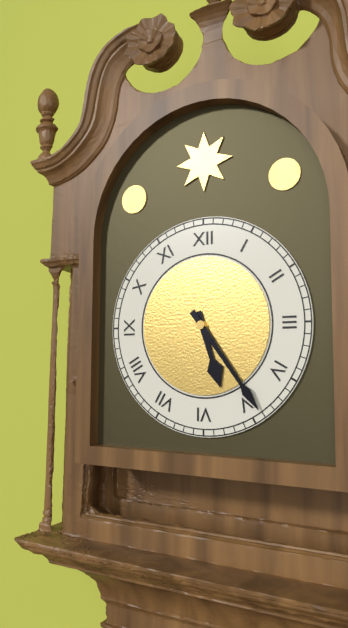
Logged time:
5h24
